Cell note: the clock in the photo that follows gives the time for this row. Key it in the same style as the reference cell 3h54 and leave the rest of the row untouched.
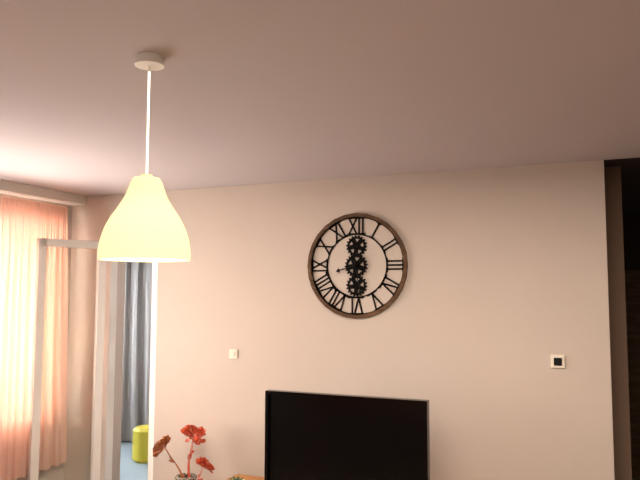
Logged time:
8h28
